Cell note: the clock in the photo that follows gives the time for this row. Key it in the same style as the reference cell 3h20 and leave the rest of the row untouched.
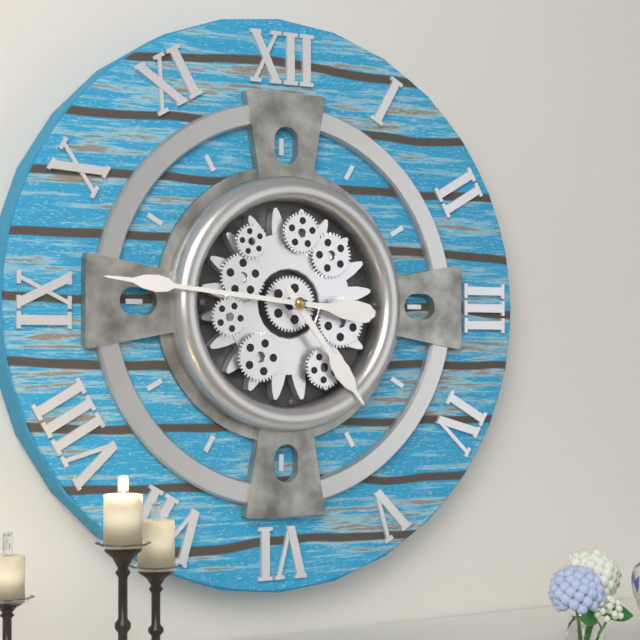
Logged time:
4h46
